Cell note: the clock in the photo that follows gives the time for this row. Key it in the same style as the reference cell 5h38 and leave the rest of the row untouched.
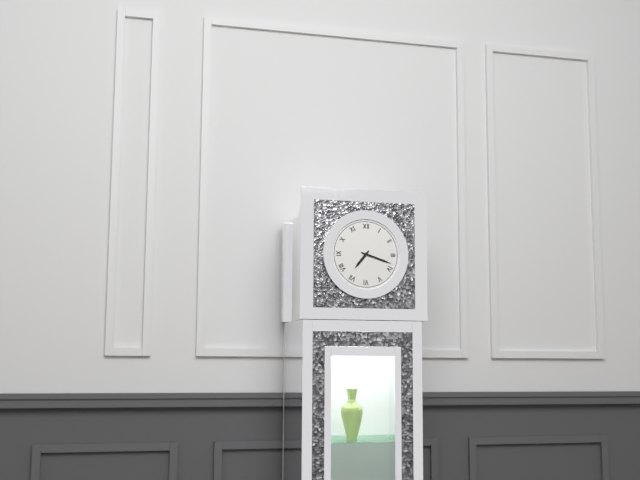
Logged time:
7h18
